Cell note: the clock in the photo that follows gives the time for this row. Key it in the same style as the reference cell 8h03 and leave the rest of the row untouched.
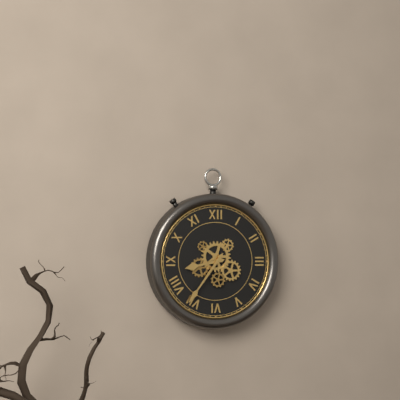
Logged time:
8h36
